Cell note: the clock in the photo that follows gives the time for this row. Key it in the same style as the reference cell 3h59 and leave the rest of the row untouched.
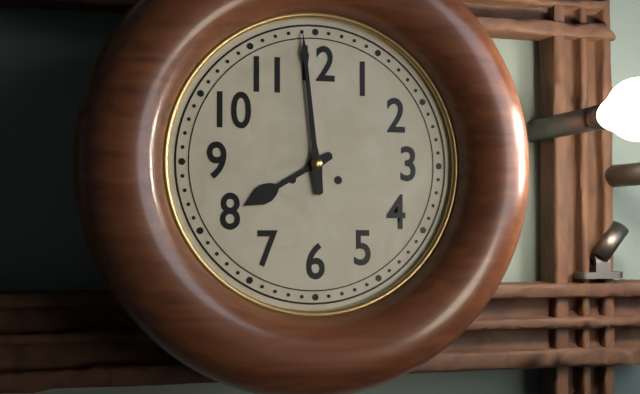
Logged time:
7h59
